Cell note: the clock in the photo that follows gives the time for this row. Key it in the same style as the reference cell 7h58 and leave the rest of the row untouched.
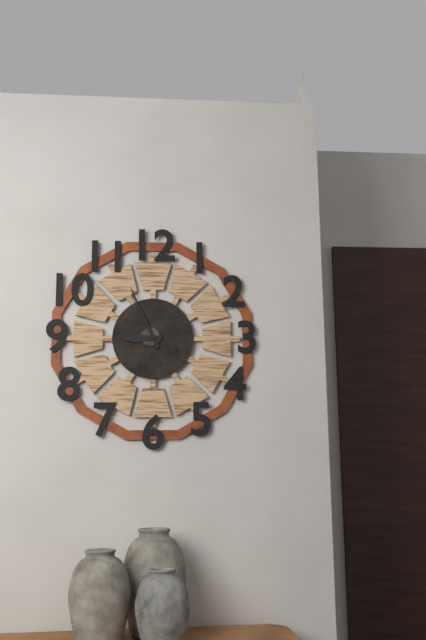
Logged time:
8h56
